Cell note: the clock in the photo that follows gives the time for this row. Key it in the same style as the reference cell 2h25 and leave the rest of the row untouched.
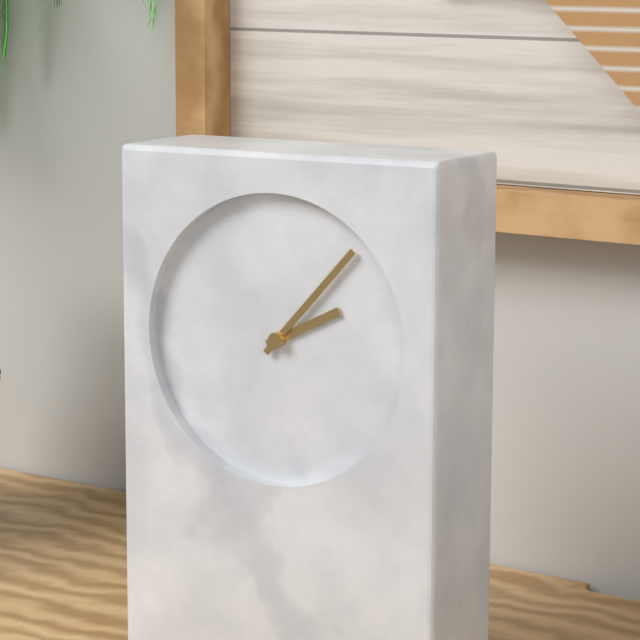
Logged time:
2h07
